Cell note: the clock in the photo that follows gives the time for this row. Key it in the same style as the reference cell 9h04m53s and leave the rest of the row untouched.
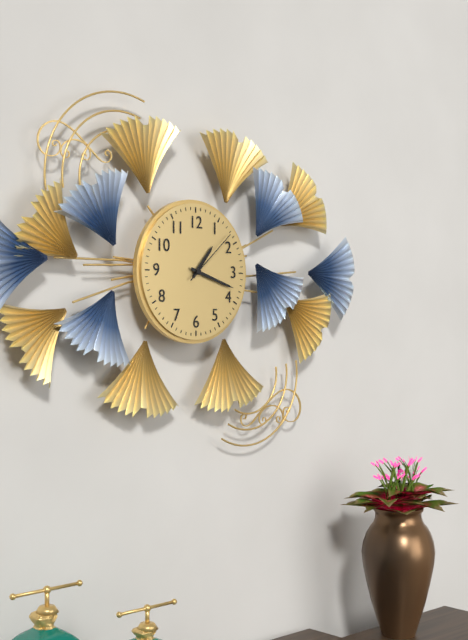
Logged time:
1h18m08s
